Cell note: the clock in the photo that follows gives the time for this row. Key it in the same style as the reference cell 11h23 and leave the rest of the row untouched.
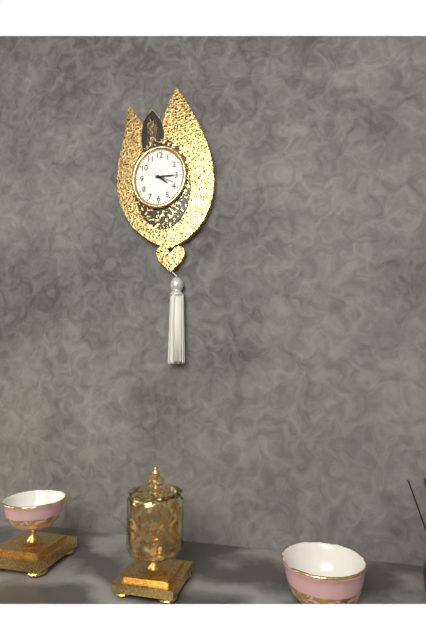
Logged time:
4h15
